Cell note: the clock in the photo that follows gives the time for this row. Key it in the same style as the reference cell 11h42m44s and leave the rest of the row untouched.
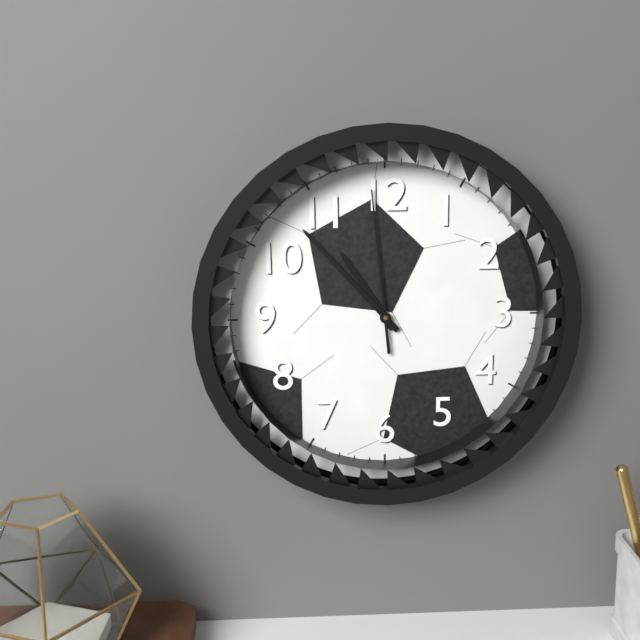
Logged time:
10h53m59s
